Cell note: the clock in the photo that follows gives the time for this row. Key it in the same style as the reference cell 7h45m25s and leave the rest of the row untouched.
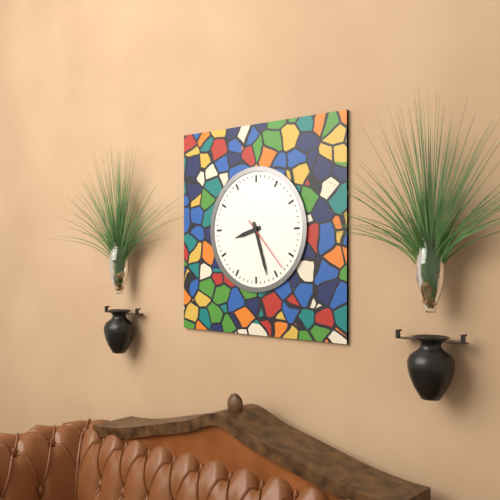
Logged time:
8h27m23s
